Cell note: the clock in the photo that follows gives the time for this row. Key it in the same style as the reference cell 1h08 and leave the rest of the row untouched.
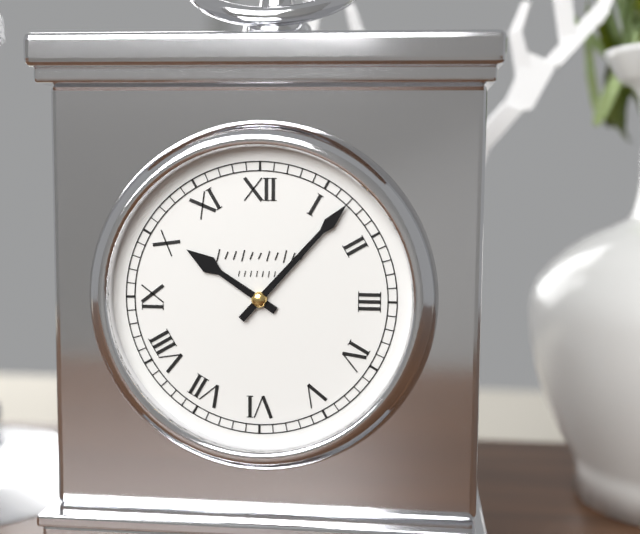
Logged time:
10h07
